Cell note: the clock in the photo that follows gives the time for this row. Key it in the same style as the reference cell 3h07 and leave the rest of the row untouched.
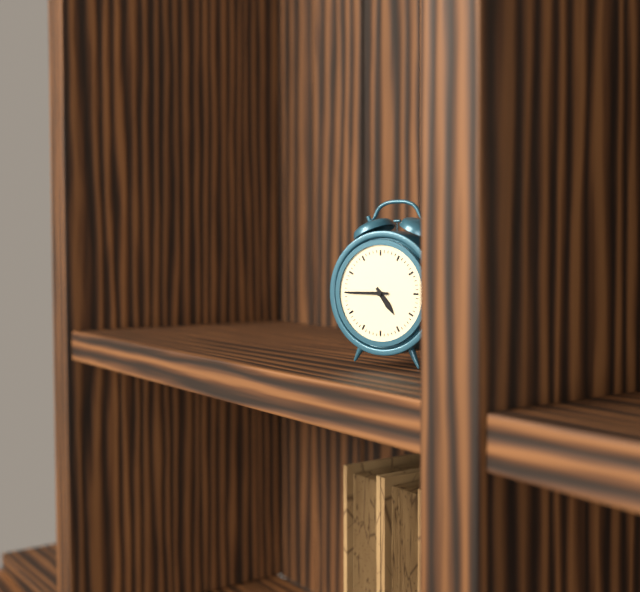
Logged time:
4h45
